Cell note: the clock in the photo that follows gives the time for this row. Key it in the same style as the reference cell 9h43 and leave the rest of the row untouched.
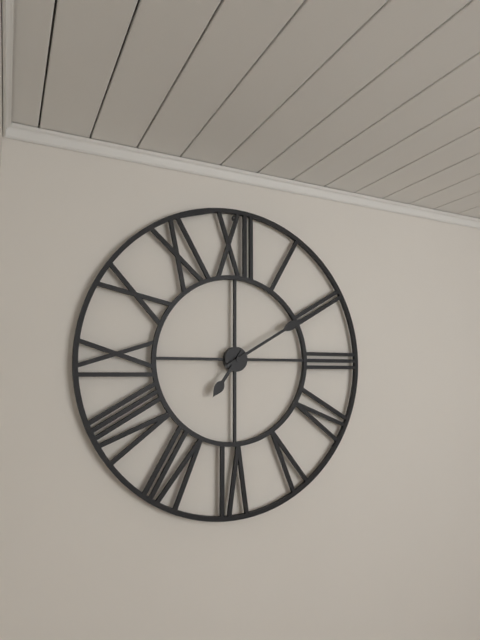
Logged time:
7h10
